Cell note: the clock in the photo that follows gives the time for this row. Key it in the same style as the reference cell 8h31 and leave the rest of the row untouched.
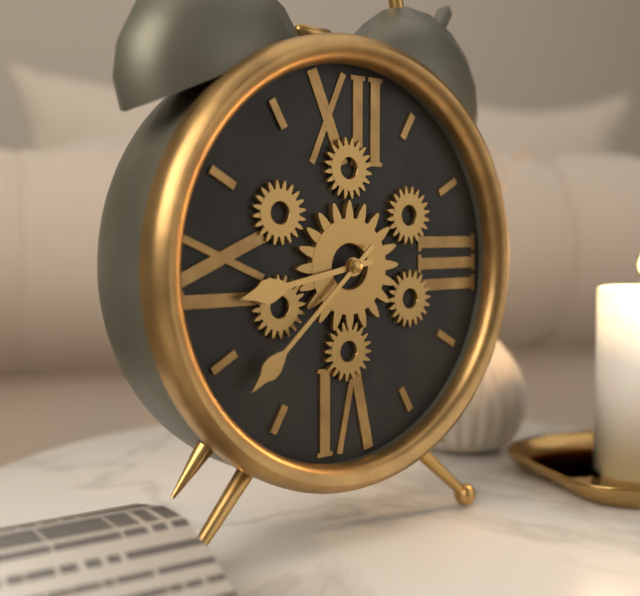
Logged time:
8h38
